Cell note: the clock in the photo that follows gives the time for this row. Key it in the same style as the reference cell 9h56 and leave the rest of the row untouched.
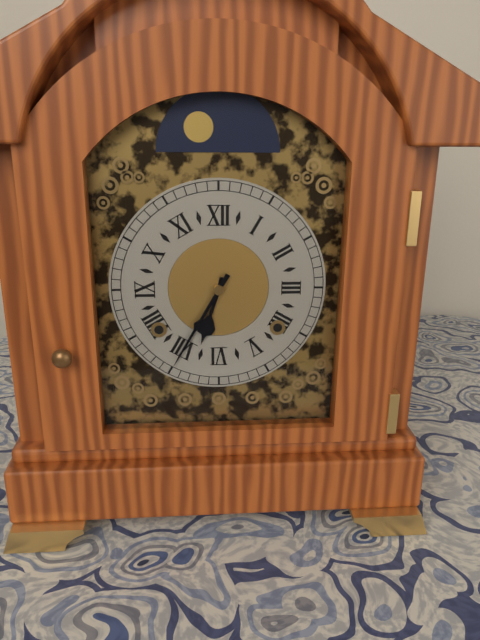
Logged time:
6h35
